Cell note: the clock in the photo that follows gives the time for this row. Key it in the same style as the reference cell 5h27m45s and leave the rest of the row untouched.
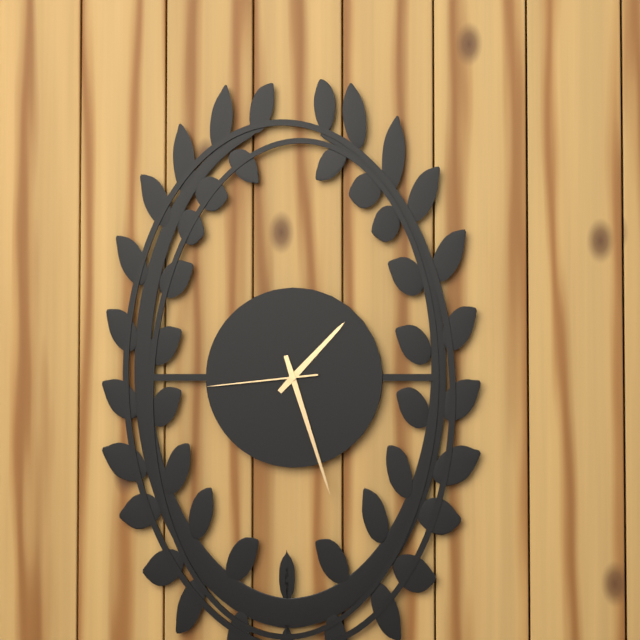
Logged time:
1h27m44s
